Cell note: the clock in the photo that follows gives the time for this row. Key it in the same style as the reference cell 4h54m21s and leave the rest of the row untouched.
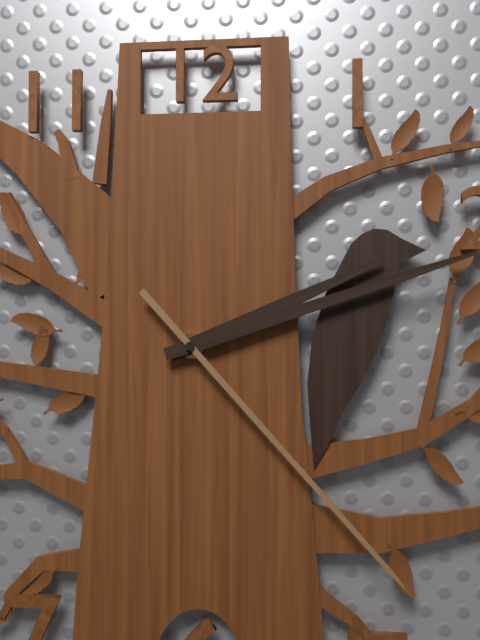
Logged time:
2h12m23s
